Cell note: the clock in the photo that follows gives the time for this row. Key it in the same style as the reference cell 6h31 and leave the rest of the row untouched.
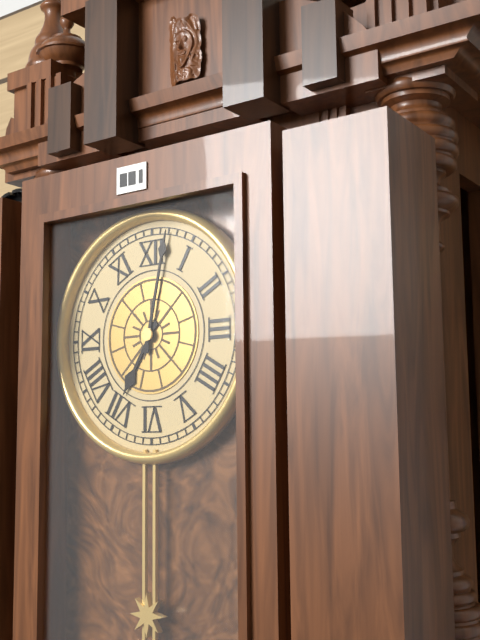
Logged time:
7h02
